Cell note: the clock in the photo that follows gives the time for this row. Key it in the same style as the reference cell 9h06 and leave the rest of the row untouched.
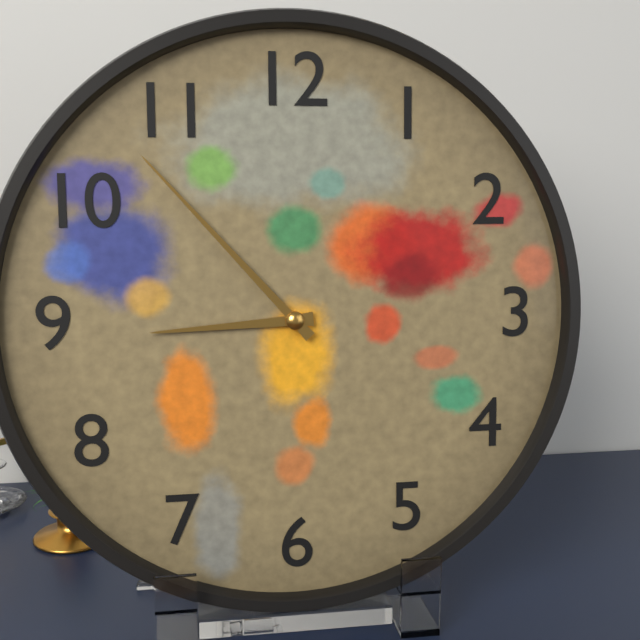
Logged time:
8h53
